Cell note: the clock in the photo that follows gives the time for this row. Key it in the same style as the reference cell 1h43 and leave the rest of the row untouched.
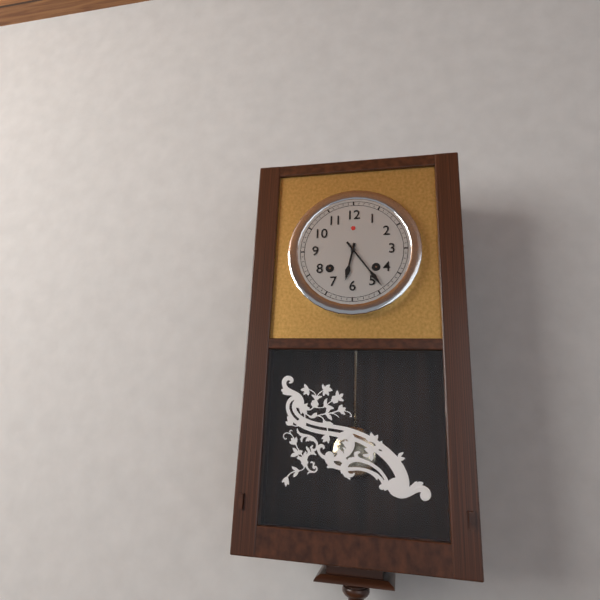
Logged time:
6h24
